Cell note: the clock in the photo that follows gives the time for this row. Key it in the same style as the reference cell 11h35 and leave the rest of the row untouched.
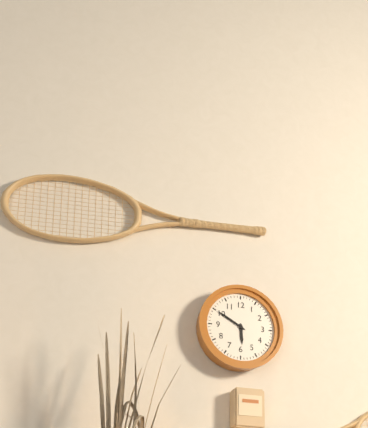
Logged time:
5h50
